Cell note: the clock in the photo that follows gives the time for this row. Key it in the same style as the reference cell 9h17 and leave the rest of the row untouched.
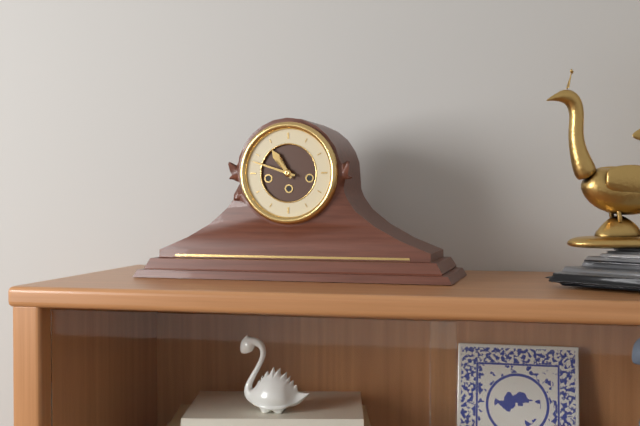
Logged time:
10h48
